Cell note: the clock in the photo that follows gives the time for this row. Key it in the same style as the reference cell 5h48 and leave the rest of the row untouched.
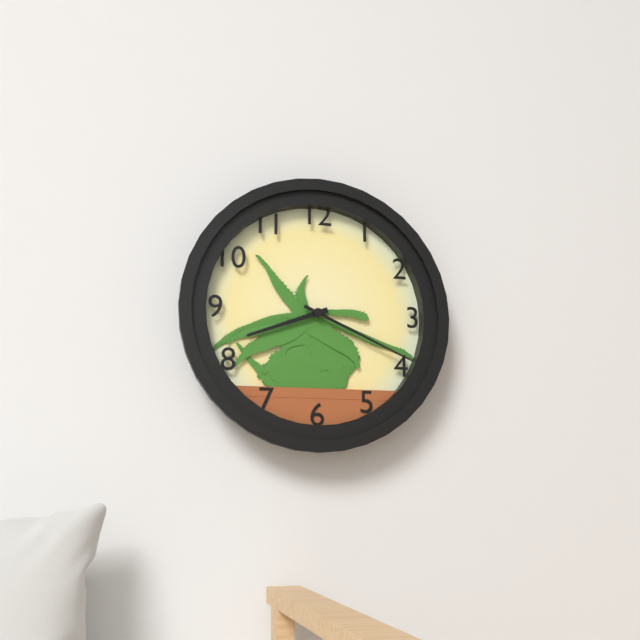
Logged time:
8h19
